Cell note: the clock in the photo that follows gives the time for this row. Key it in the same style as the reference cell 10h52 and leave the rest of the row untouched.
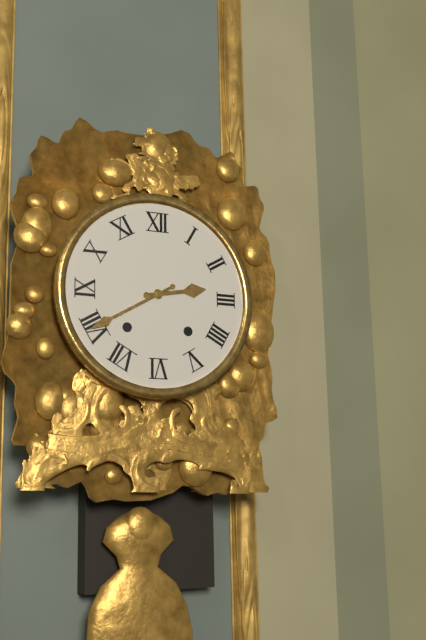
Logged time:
2h40
